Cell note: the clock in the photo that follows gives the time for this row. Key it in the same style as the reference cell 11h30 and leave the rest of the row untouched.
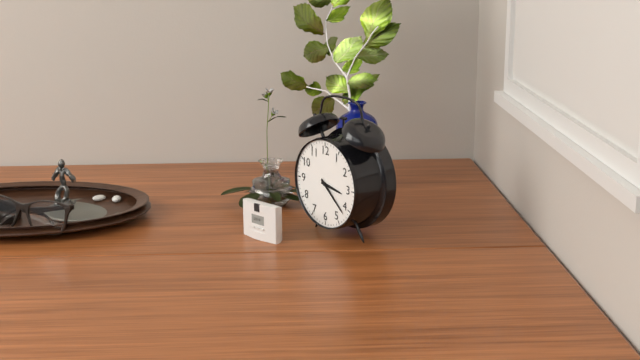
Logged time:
3h22
